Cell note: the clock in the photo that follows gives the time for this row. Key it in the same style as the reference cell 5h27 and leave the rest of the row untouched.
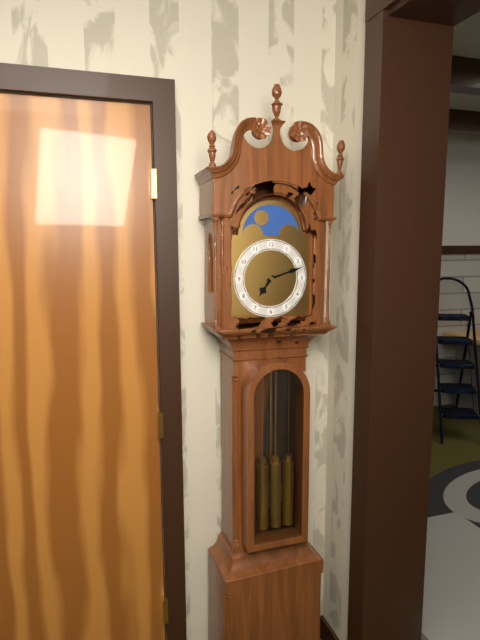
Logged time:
7h12
